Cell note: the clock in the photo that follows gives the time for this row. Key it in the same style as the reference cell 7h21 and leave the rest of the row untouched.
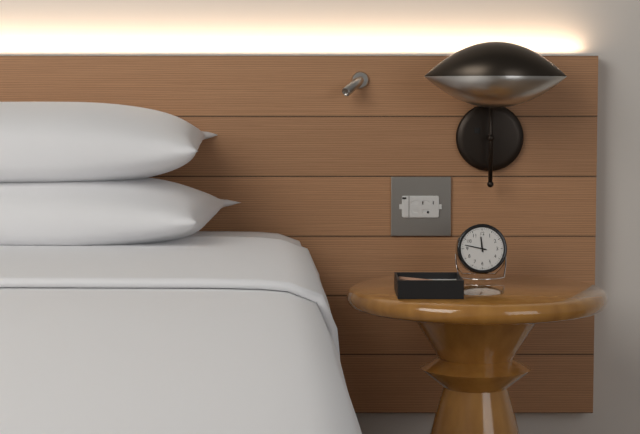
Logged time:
11h47
